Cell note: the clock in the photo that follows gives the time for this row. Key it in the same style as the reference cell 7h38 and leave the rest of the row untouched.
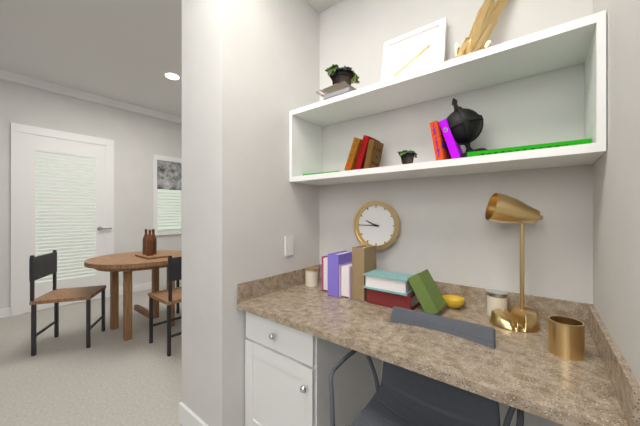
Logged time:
9h45
